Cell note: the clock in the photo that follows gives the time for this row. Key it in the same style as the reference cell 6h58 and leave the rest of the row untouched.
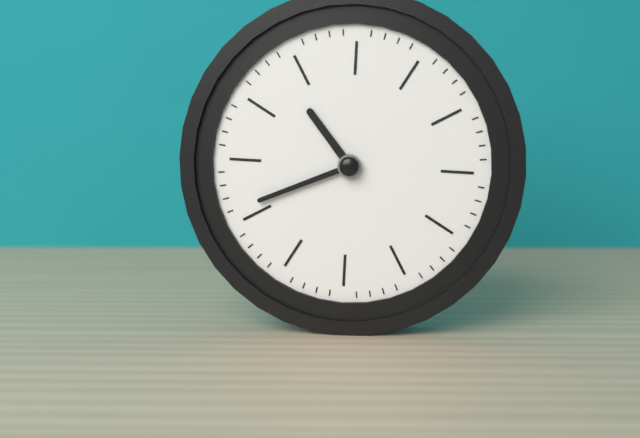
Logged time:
10h41
